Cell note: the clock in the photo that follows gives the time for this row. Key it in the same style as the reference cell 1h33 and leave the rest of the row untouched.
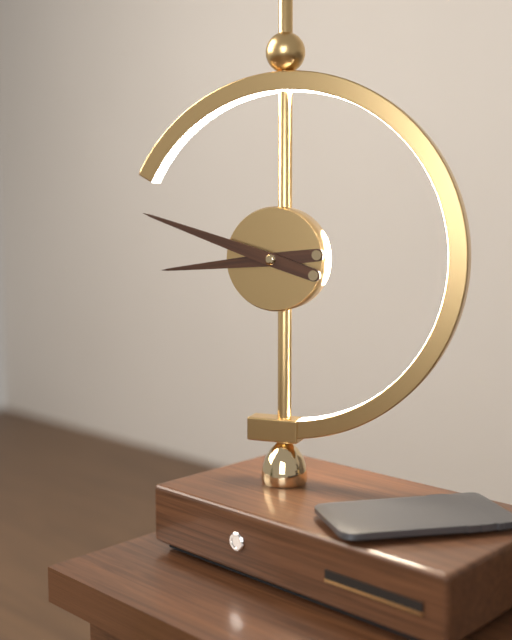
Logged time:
8h48
